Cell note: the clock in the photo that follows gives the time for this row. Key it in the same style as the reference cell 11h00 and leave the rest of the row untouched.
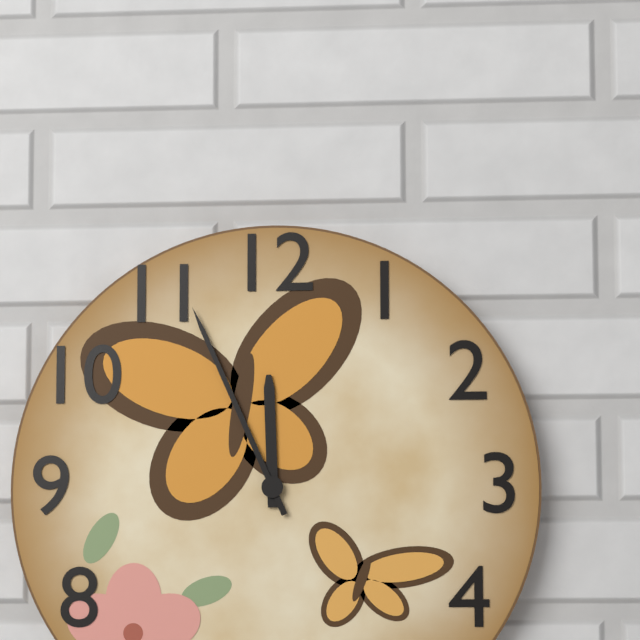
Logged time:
11h56
